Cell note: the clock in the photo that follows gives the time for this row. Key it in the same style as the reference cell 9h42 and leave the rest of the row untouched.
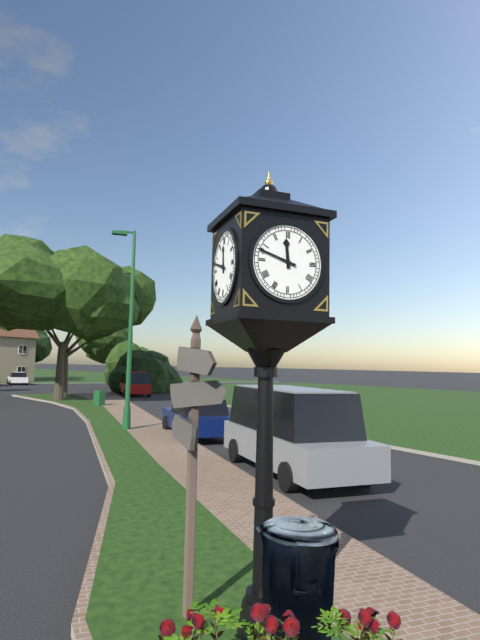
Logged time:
11h48
